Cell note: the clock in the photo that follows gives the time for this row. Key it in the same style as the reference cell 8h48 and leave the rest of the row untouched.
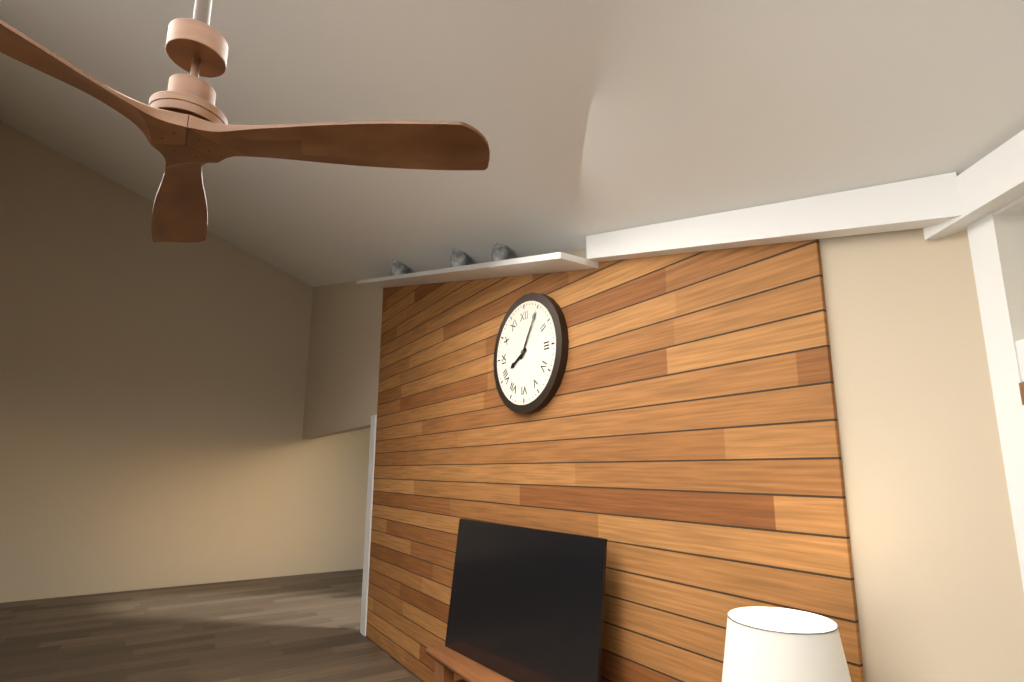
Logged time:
8h05
